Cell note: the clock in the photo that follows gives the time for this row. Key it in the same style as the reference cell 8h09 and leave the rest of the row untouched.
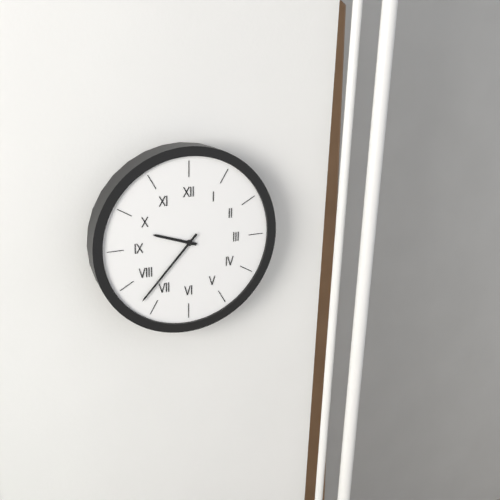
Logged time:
9h37
